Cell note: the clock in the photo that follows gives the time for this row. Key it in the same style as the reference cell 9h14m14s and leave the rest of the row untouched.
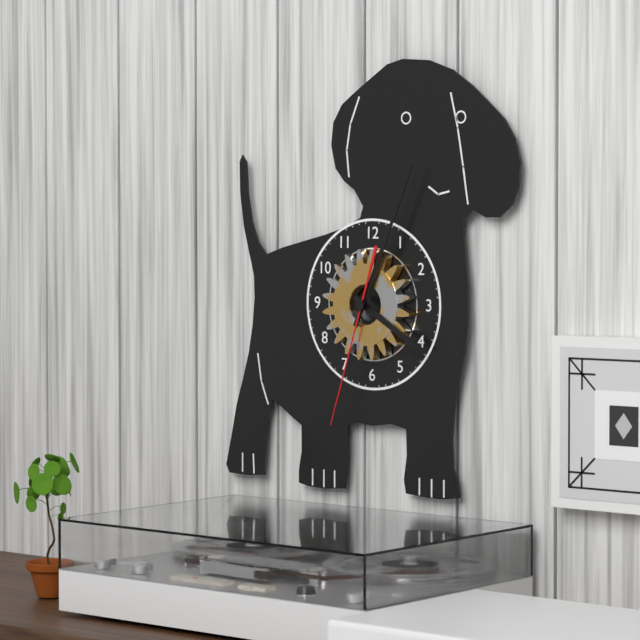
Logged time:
4h04m33s
